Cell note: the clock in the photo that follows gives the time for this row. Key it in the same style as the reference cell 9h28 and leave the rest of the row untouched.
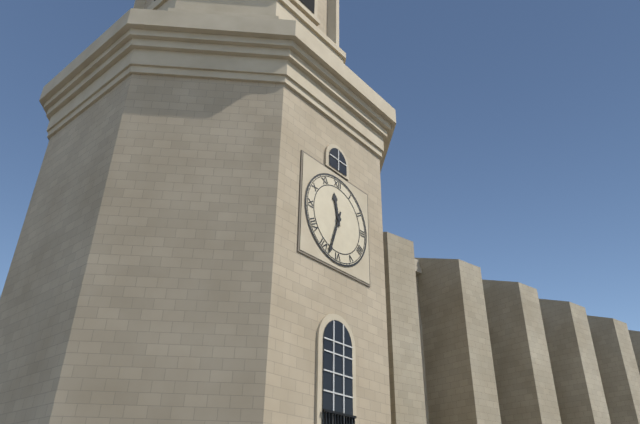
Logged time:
11h33
